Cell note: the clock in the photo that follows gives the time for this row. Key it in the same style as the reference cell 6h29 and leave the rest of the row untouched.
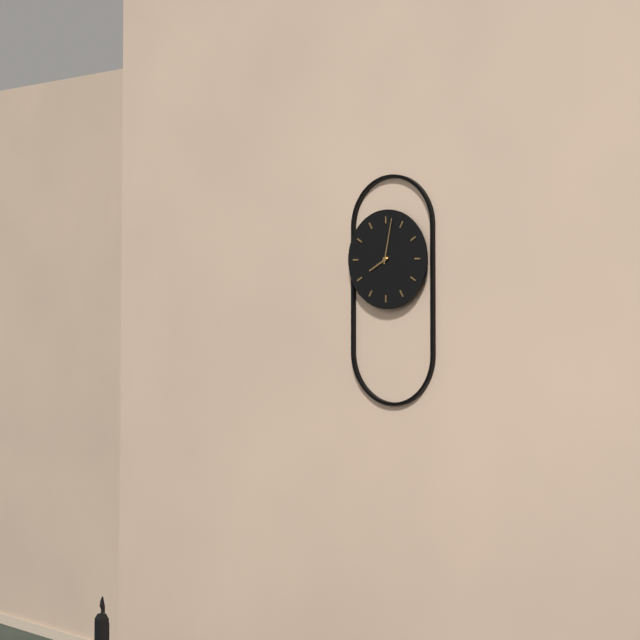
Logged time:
8h02
